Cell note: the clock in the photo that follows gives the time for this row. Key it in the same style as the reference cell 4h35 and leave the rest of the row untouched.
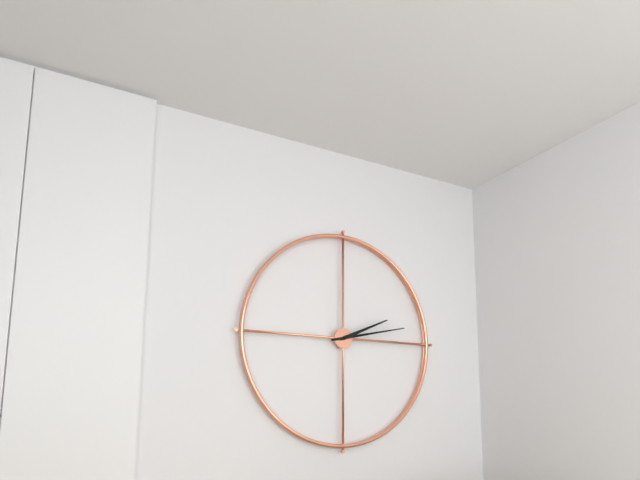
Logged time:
2h13
